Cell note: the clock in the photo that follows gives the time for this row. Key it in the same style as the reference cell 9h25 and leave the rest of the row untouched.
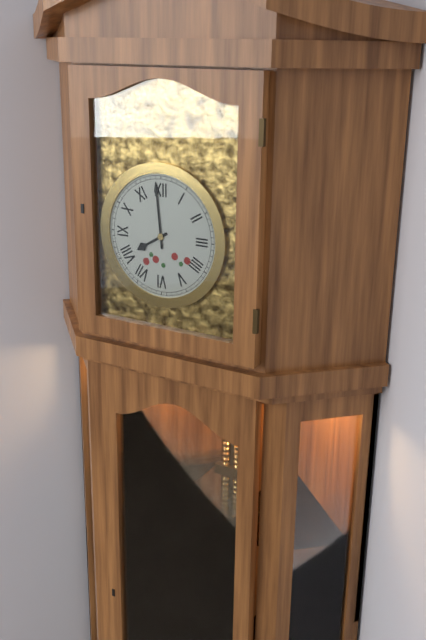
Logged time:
7h59
